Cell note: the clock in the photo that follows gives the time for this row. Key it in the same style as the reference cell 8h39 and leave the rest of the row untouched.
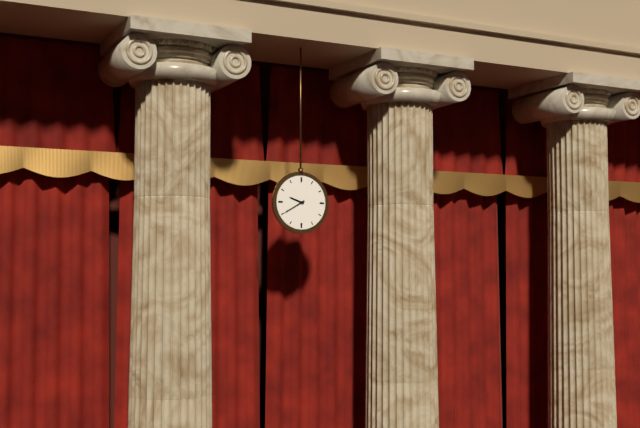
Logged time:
9h40
